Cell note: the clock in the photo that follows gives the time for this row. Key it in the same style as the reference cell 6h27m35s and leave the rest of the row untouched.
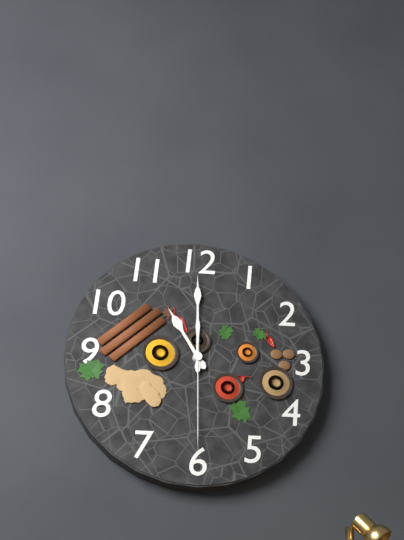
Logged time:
11h00m30s
